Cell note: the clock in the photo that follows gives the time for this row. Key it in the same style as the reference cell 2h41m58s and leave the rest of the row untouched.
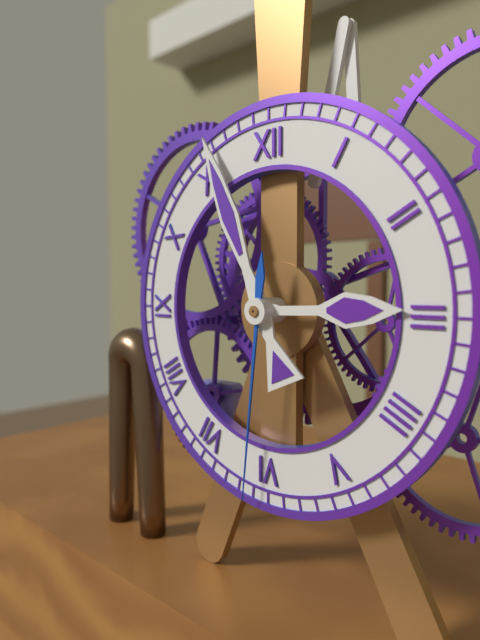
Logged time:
2h56m31s
